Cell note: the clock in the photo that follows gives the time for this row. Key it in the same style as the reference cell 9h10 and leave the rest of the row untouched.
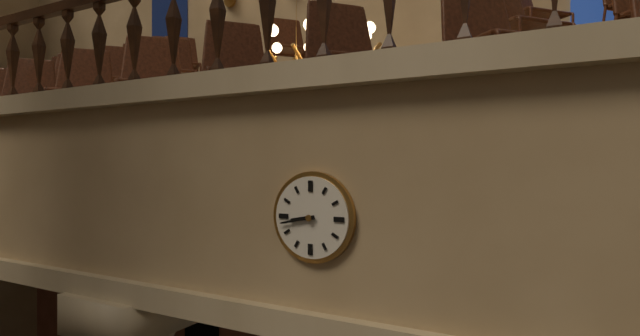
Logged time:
8h43
